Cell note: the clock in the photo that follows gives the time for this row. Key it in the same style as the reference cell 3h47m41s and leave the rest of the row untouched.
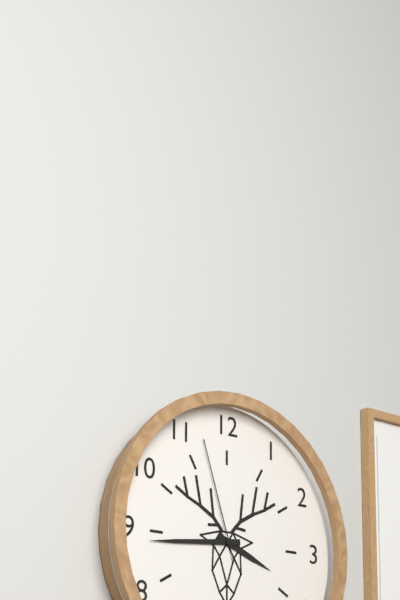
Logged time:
3h44m57s
